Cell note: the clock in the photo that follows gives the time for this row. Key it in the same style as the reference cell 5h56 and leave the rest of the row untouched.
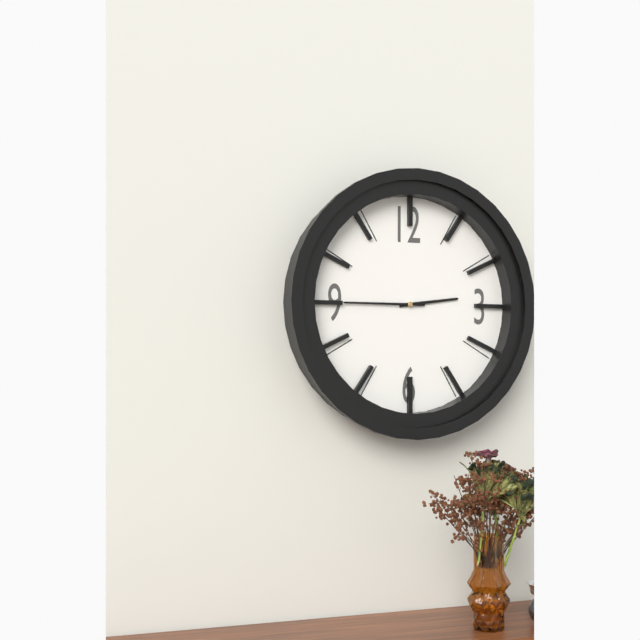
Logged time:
2h45
